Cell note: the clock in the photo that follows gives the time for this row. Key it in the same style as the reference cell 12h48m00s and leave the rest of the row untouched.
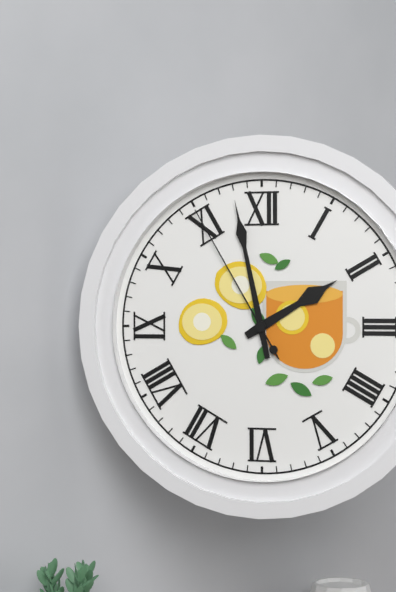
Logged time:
1h58m55s
